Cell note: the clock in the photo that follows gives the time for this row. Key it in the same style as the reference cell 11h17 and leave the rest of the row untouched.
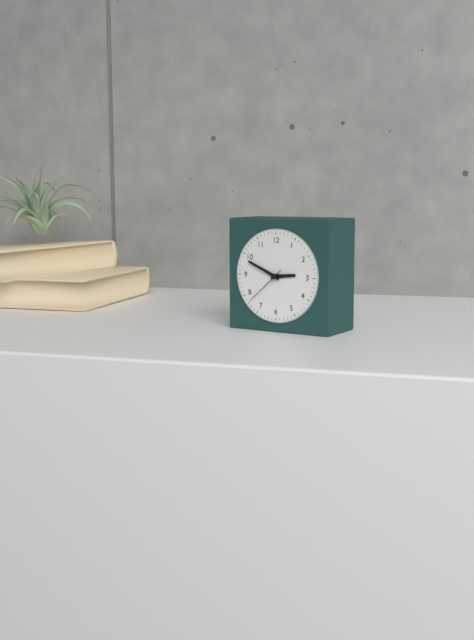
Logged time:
2h49
